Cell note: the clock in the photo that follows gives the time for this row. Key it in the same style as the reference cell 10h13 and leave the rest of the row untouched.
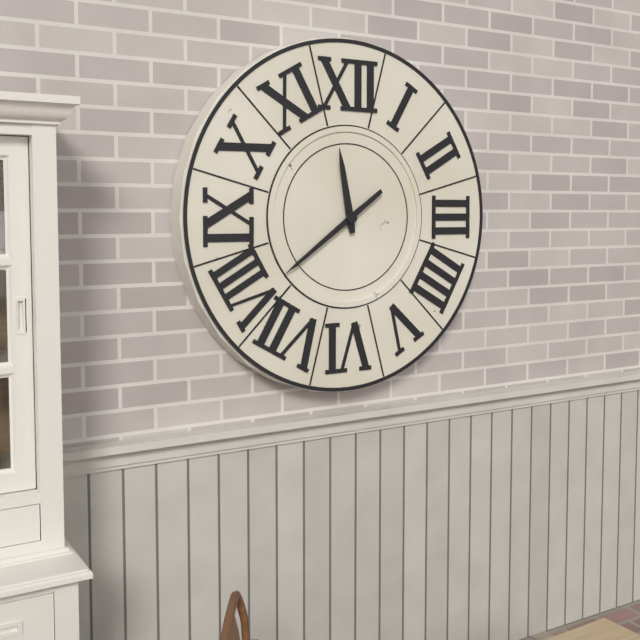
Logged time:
11h39
